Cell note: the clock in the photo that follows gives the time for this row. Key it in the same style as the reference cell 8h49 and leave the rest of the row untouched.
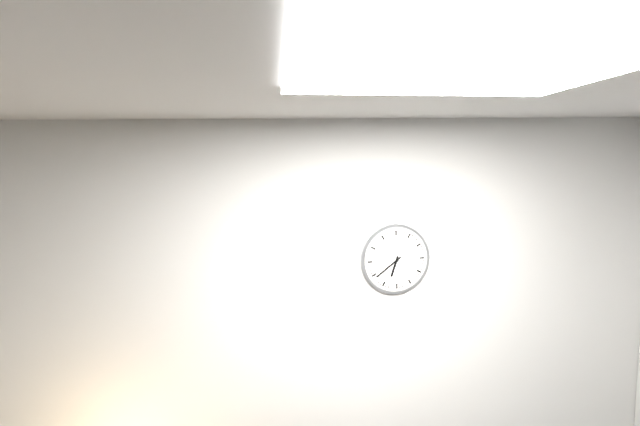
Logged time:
6h39
